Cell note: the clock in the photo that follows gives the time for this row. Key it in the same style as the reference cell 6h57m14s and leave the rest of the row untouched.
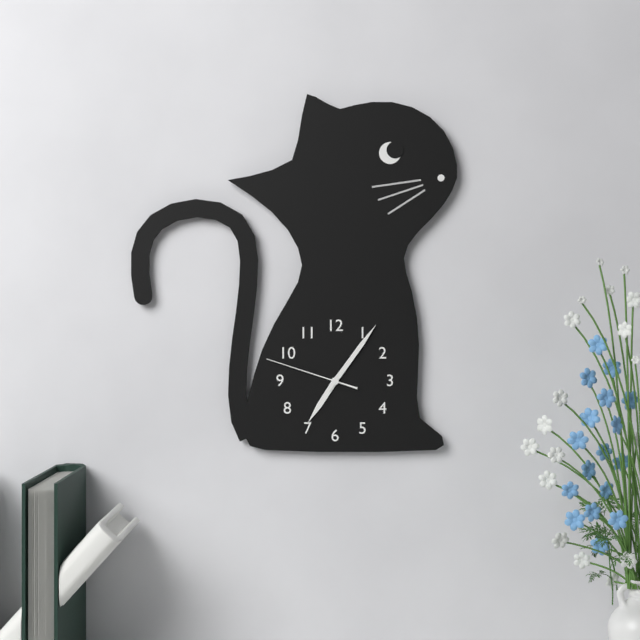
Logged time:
7h06m48s
